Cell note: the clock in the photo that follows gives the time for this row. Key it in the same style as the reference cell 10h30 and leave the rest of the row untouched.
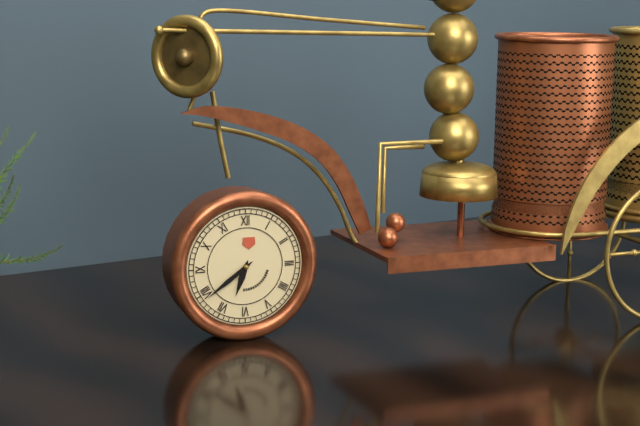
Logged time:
6h39
